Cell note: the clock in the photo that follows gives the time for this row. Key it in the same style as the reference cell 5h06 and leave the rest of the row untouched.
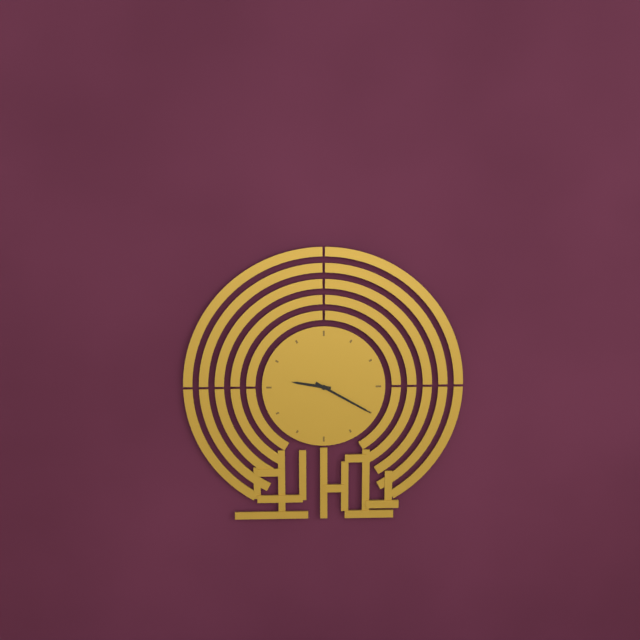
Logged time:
9h20
